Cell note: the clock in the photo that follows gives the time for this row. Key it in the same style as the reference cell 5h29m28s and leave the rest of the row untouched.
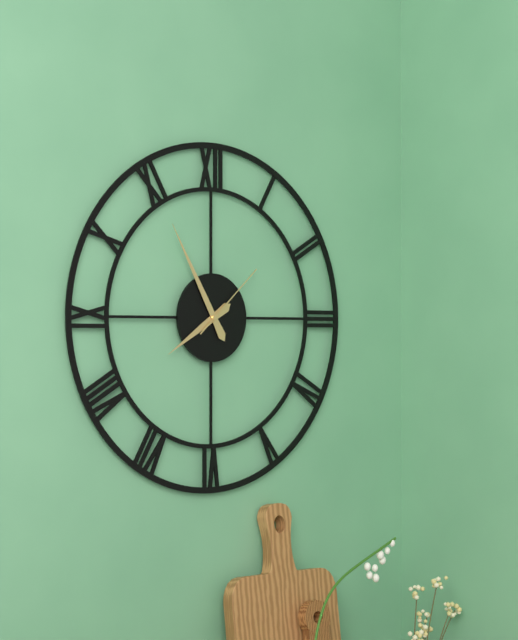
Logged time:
7h55m08s
